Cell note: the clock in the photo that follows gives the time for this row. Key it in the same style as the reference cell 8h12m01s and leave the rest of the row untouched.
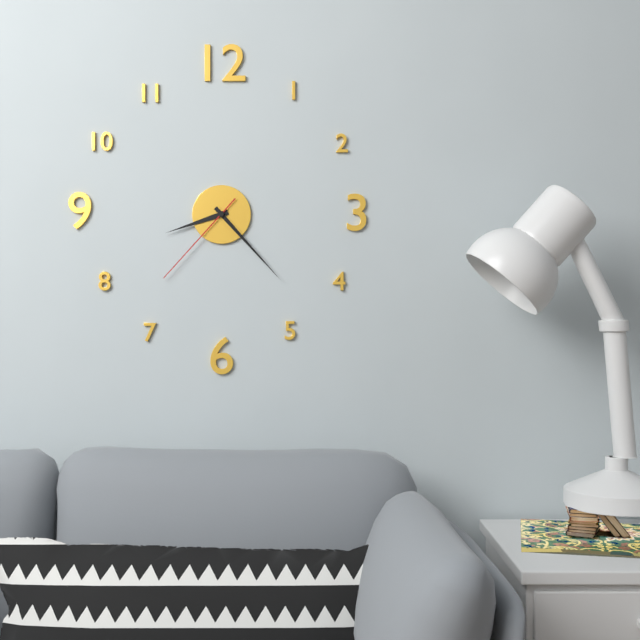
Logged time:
8h23m37s
